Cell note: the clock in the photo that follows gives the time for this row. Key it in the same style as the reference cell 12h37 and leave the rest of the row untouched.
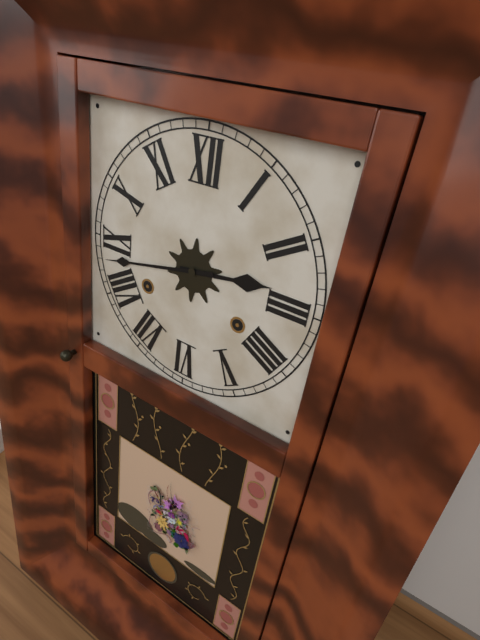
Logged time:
2h43
